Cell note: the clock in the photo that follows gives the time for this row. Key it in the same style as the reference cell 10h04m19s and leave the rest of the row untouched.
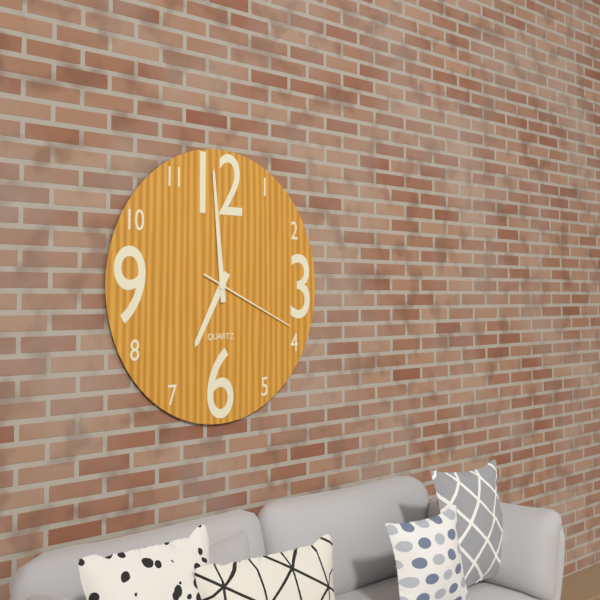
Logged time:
6h59m19s
